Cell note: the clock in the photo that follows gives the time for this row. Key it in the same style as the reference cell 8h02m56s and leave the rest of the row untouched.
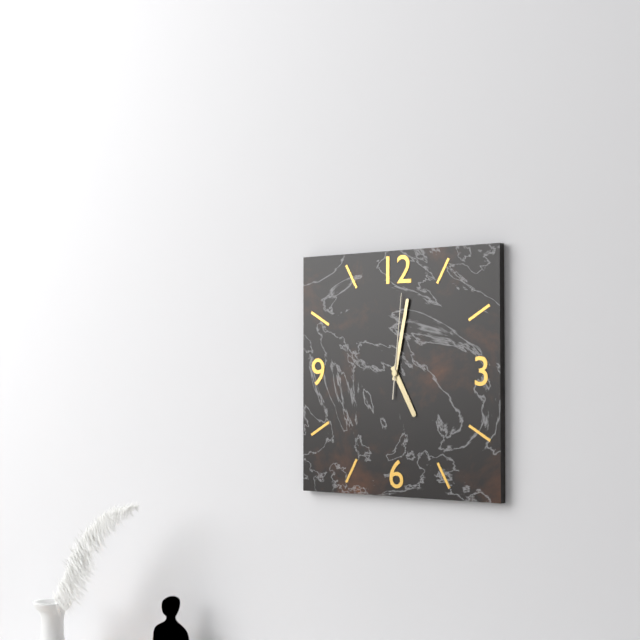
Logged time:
5h02m01s
